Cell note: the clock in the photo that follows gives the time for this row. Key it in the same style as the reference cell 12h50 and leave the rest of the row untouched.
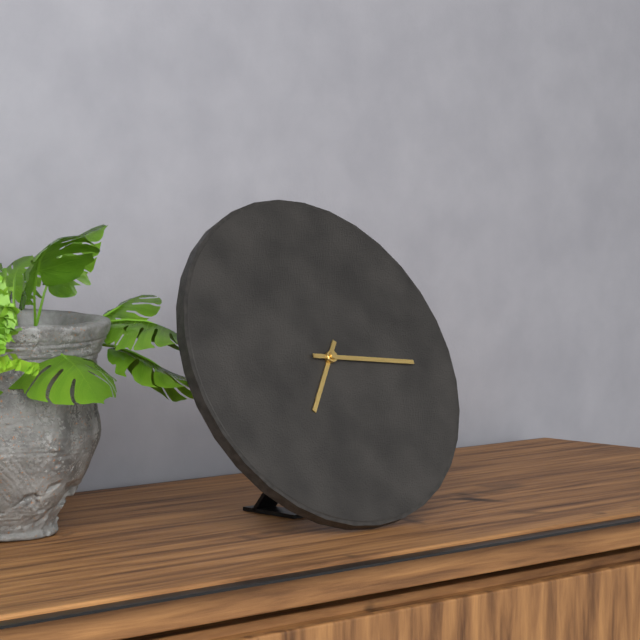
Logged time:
7h16
